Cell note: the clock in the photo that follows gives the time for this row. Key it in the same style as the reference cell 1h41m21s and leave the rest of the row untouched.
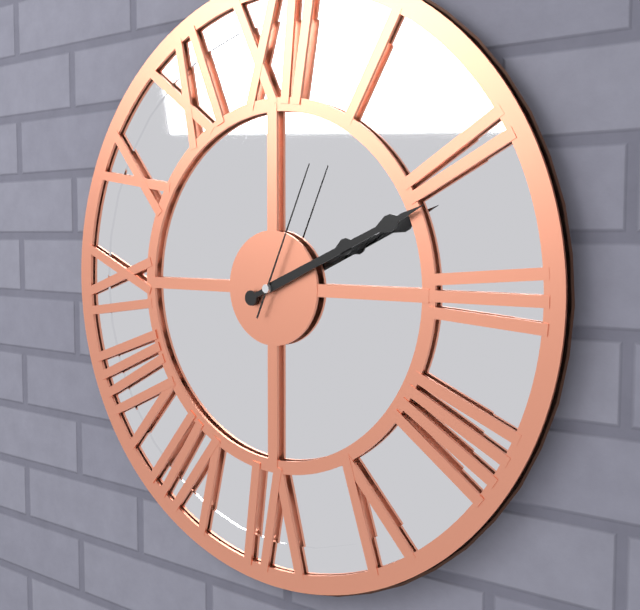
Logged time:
2h11m04s
